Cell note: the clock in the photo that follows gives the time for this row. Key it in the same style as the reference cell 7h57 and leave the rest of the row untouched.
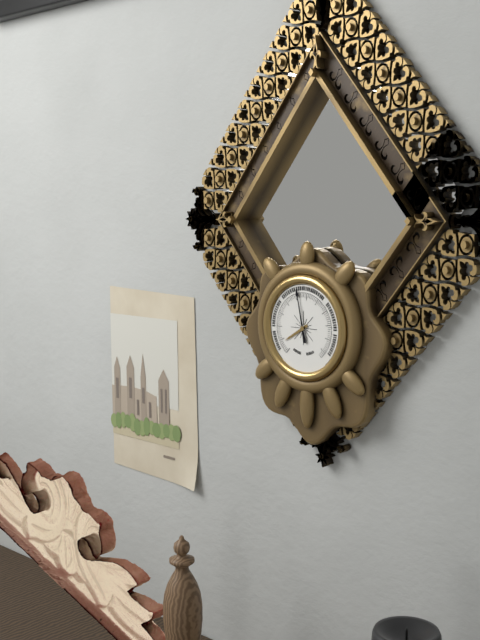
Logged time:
7h58
